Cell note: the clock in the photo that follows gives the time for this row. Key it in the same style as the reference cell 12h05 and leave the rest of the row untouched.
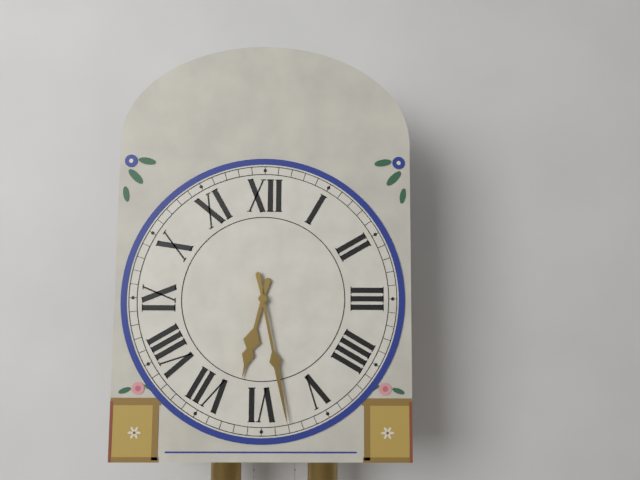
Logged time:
6h28
